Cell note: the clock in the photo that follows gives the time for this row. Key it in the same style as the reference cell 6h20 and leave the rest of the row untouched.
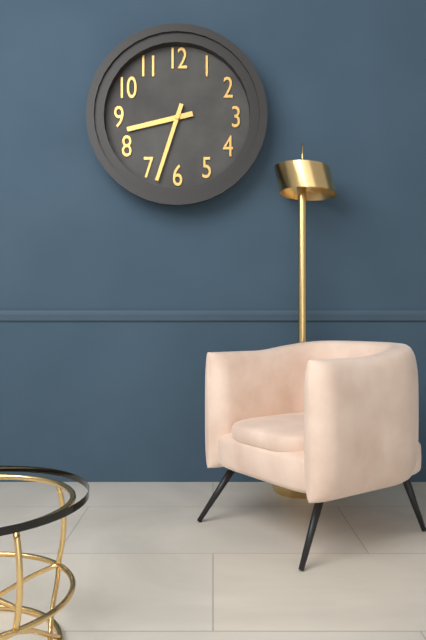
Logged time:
8h33
